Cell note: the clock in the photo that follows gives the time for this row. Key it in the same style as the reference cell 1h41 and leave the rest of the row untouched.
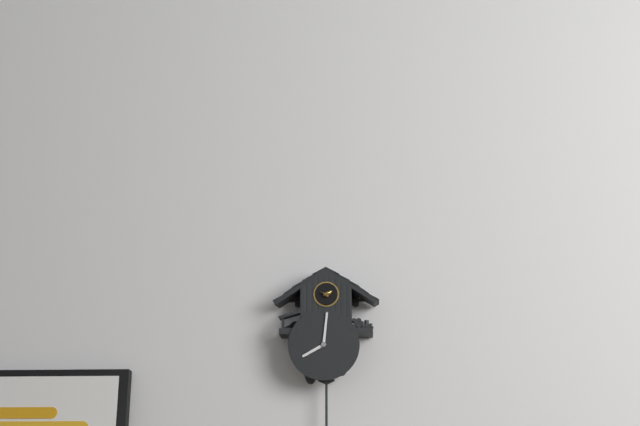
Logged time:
8h01
